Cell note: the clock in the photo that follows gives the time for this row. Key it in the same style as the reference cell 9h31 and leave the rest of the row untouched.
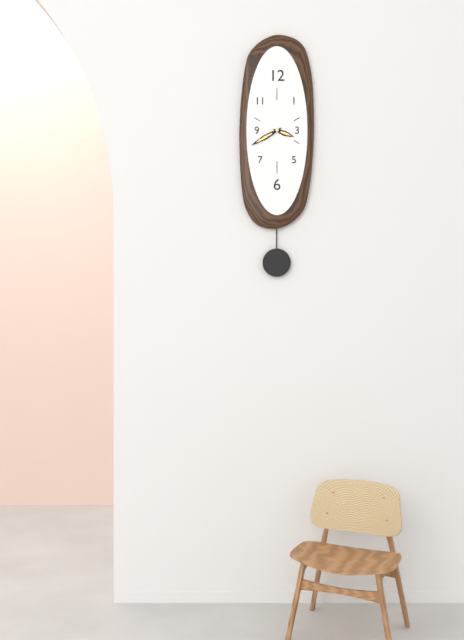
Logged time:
3h40
